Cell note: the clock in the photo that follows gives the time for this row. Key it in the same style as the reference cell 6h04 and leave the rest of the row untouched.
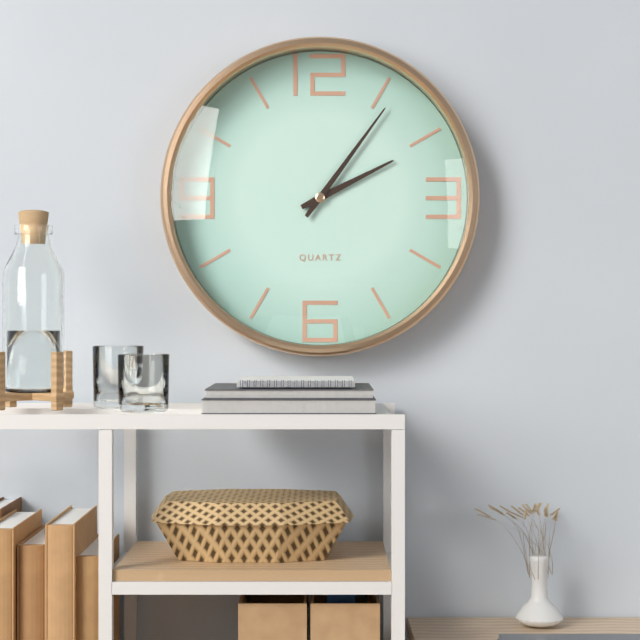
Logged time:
2h06
